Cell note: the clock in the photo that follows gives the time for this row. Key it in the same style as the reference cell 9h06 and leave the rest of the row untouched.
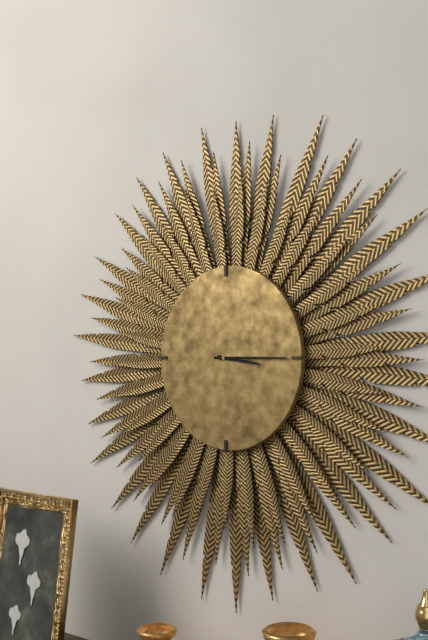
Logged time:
3h15
